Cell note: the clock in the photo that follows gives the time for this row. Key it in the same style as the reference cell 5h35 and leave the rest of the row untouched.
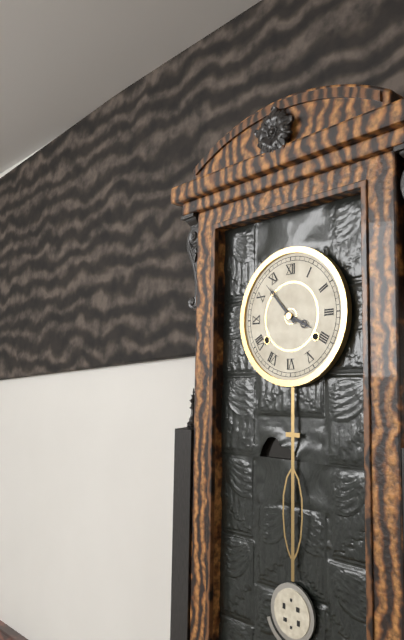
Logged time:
3h53
